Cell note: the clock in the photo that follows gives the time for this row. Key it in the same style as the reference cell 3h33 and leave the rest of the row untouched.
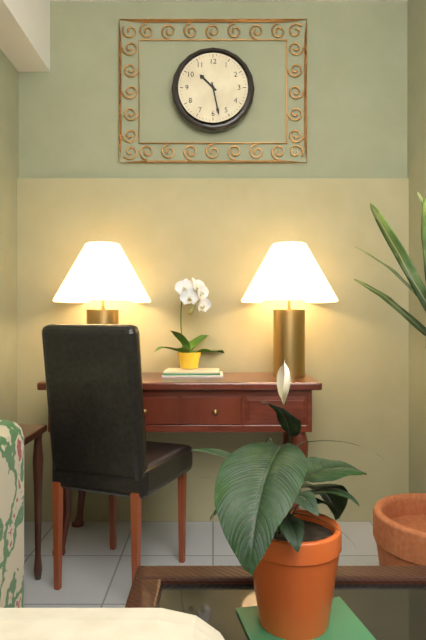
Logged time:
10h28
